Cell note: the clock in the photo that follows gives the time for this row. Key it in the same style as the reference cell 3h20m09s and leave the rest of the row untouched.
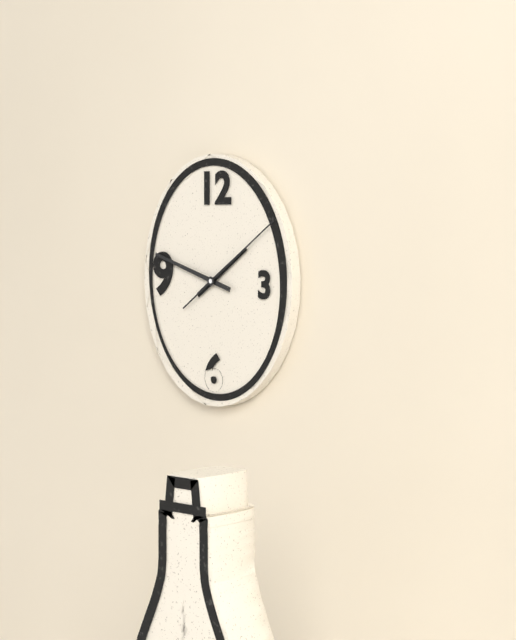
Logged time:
1h48m09s
